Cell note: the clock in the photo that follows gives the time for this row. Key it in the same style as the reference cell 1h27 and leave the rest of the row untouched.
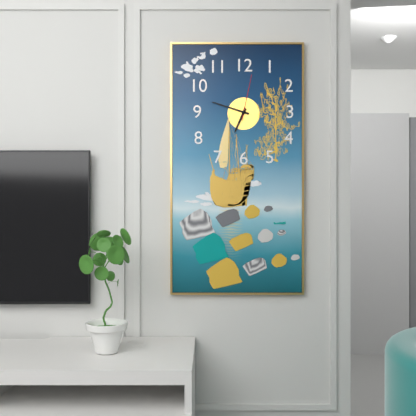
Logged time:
6h48
